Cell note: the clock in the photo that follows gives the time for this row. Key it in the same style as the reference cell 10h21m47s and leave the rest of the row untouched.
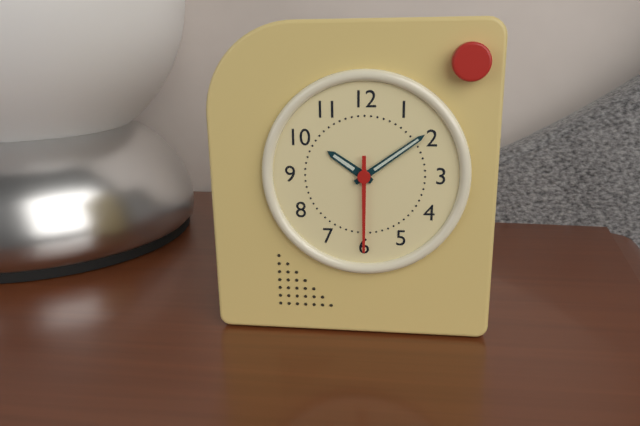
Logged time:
10h09m30s
